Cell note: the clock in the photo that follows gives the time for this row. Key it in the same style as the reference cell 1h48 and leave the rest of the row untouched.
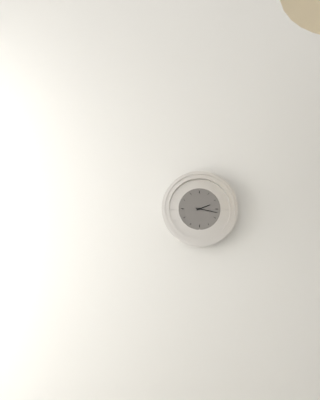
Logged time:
2h17
